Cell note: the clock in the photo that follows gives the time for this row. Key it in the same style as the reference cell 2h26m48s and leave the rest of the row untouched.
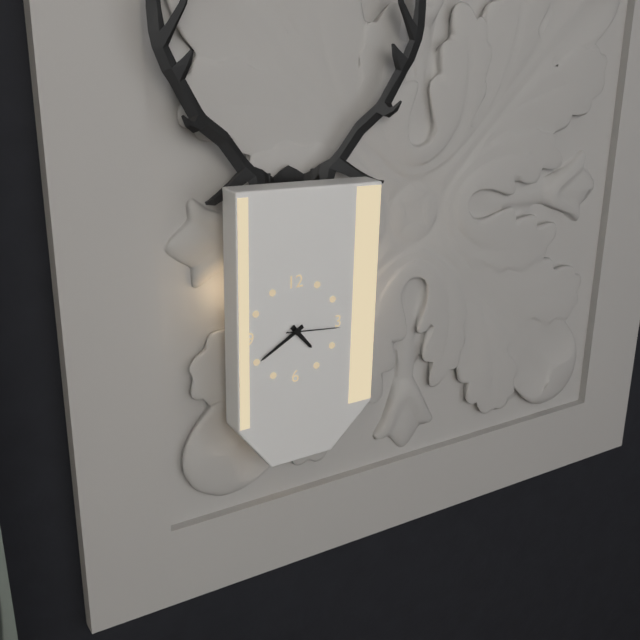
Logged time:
4h40m16s
